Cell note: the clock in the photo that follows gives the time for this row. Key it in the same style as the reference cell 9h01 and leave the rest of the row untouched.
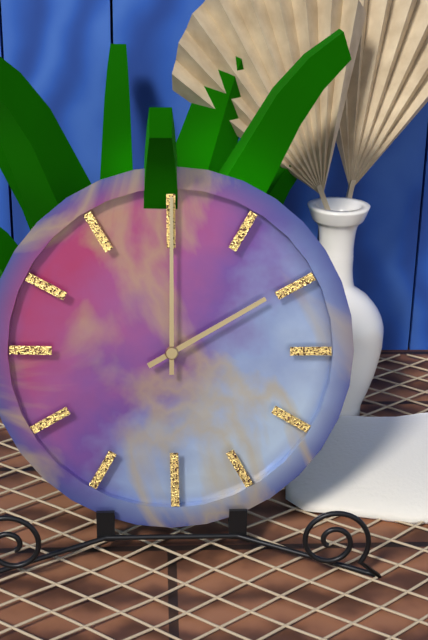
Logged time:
2h00
